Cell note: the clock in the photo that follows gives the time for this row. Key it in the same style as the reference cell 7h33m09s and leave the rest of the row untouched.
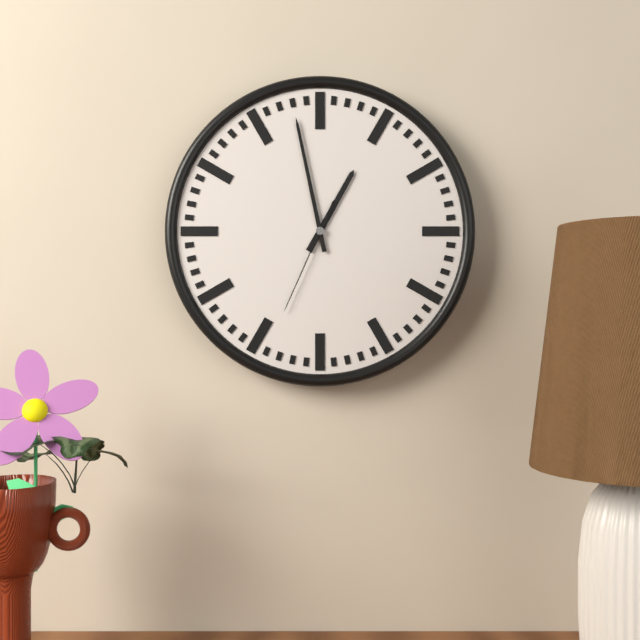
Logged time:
12h58m34s
